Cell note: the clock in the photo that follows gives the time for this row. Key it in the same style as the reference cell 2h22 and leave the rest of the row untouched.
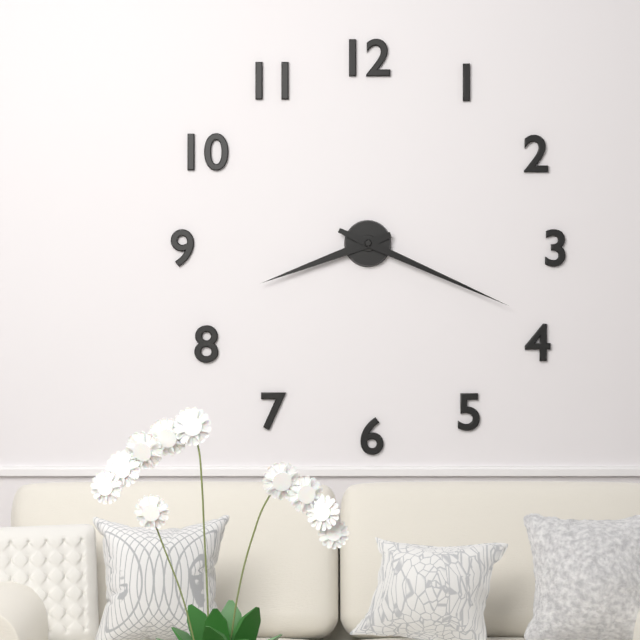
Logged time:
8h19
